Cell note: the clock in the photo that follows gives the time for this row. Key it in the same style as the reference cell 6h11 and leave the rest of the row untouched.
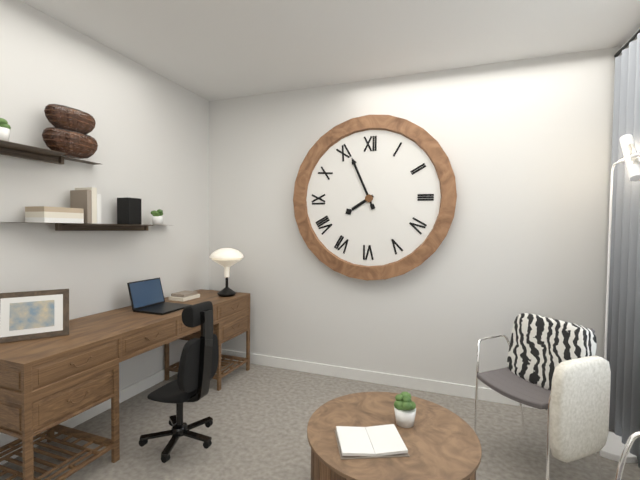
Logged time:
7h56
